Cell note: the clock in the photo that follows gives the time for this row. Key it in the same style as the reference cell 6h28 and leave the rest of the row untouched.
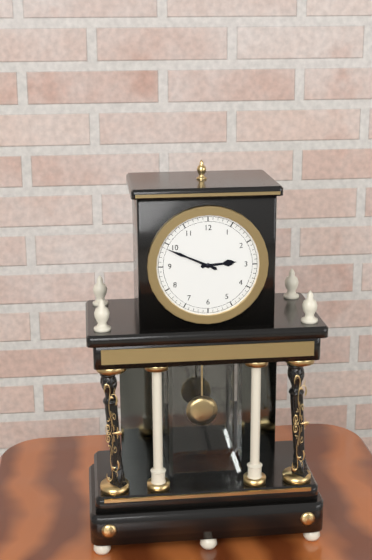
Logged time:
2h49
